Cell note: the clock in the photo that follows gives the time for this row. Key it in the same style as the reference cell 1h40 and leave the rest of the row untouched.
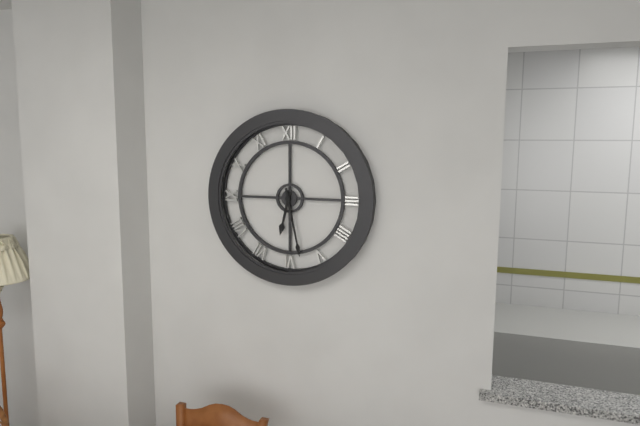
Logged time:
6h28
